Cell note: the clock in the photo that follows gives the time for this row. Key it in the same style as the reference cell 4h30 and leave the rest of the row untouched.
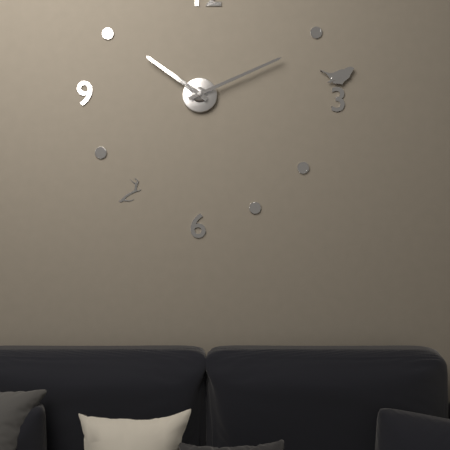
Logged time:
10h11
